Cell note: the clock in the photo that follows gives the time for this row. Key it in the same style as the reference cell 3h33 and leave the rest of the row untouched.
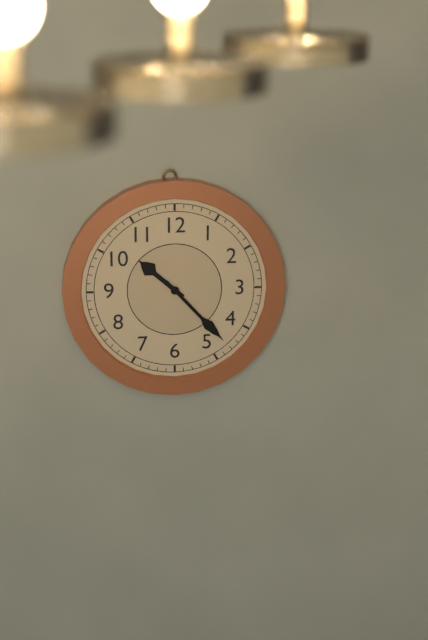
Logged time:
10h23
